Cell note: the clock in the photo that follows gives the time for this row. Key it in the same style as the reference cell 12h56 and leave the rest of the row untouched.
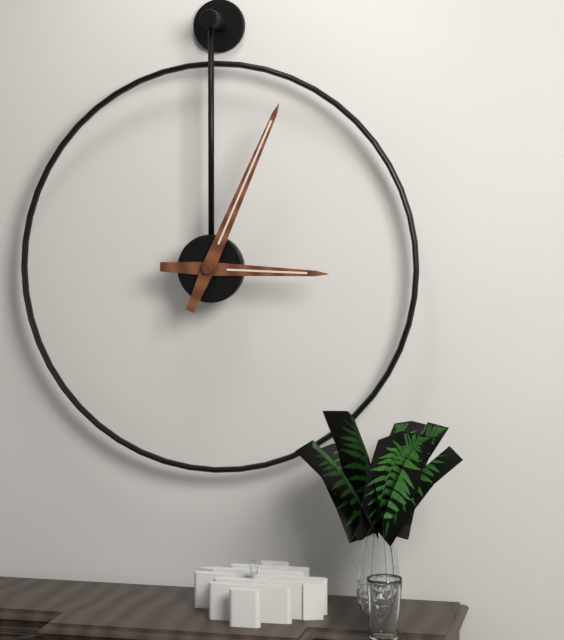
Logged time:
3h04
